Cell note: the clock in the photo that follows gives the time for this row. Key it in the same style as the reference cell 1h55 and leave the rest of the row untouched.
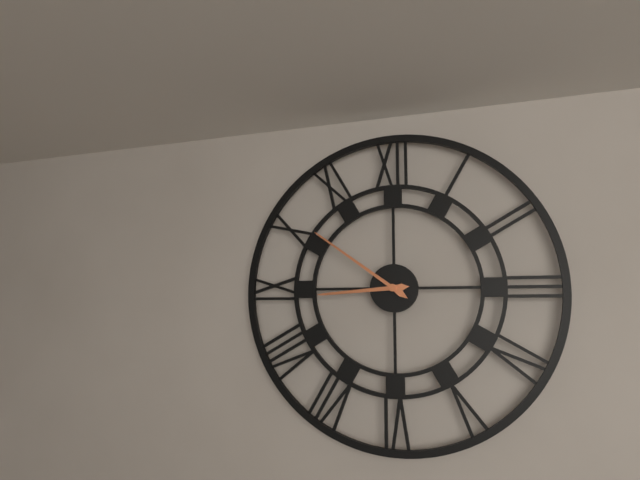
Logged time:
8h51
